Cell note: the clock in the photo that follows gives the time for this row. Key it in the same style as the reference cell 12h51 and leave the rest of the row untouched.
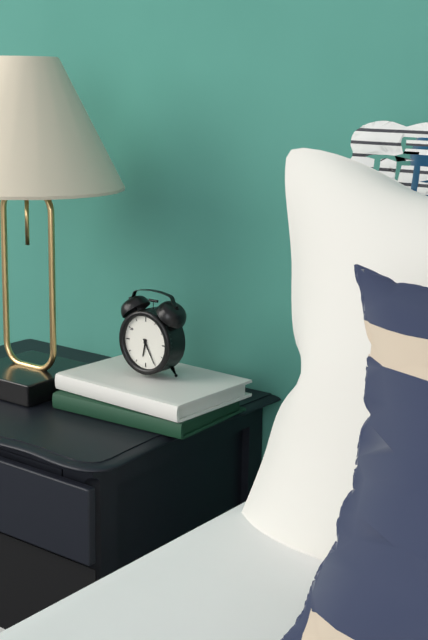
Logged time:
6h25
